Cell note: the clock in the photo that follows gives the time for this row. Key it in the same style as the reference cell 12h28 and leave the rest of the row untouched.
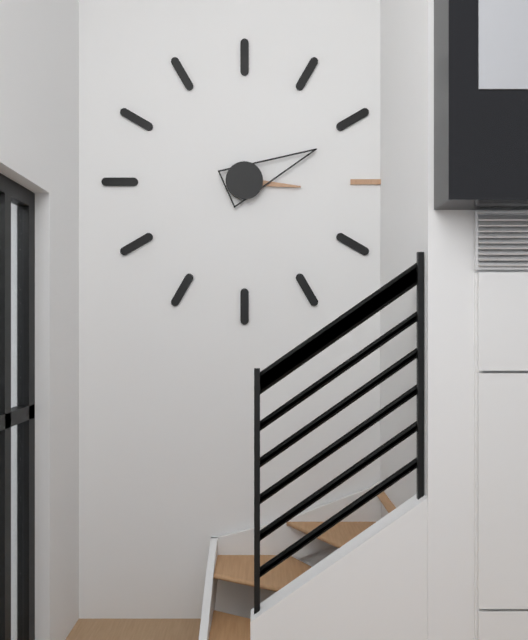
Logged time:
3h11
